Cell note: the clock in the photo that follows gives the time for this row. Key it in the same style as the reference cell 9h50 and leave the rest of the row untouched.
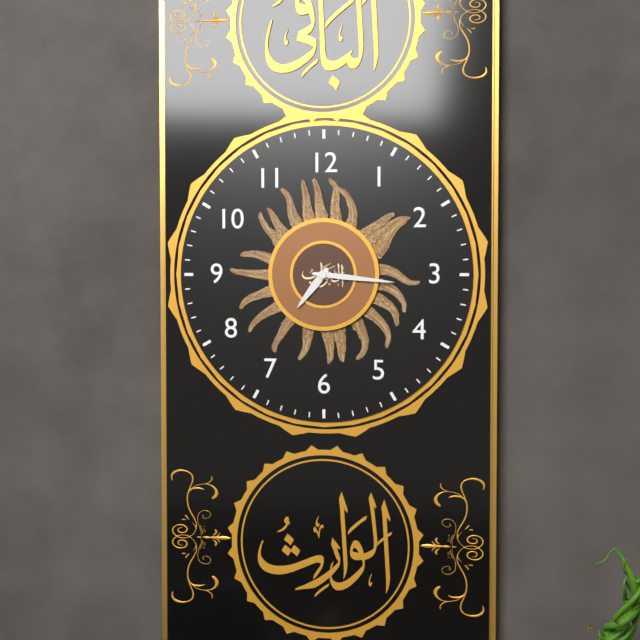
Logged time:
7h16
